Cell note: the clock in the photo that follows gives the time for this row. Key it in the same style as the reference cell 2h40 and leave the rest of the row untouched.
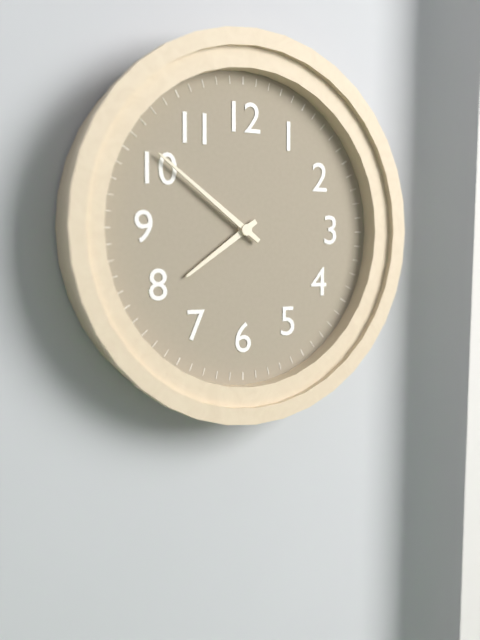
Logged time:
7h51
